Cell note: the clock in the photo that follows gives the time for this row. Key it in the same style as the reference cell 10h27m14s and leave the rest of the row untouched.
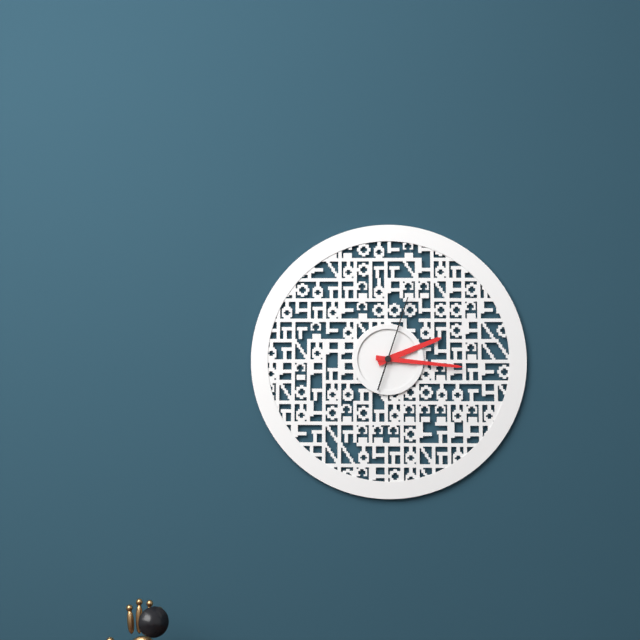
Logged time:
2h16m03s
